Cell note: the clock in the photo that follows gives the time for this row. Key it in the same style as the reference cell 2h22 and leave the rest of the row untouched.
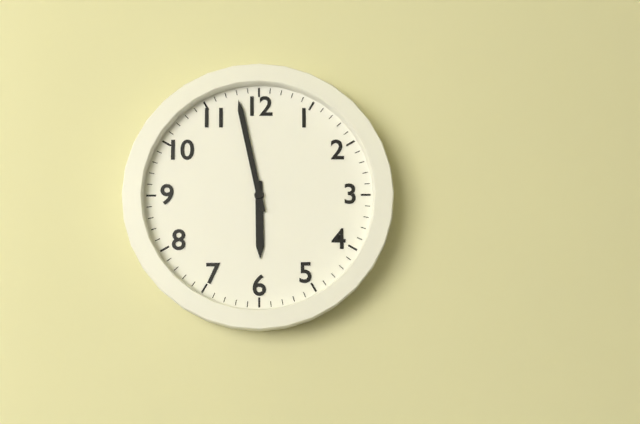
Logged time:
5h58
